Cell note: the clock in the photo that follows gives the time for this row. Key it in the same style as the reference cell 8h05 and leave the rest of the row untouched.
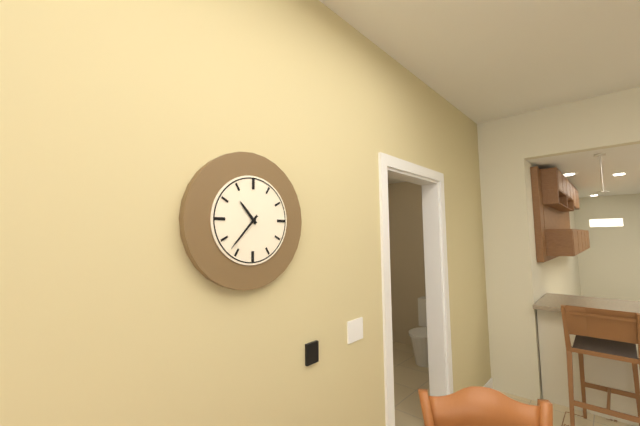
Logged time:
10h37
